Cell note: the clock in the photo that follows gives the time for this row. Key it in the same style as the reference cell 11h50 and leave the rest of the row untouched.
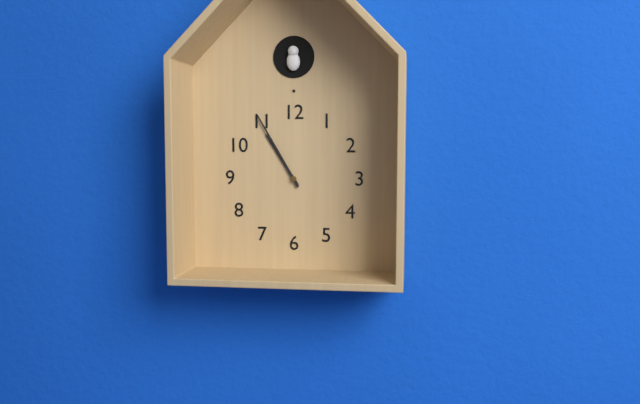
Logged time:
10h55
